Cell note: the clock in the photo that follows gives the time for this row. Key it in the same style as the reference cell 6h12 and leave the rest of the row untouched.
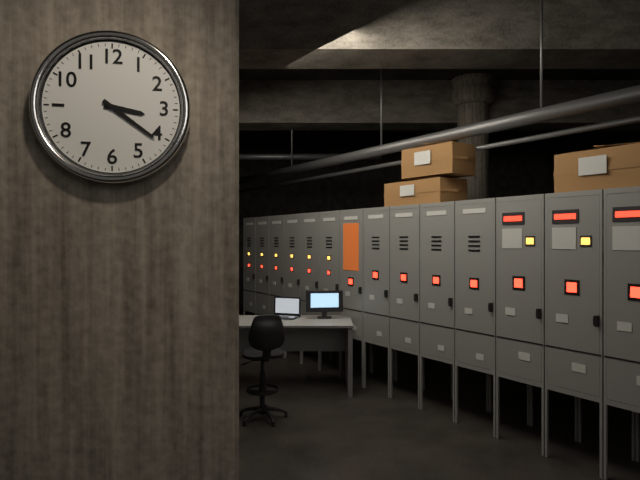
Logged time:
3h21
